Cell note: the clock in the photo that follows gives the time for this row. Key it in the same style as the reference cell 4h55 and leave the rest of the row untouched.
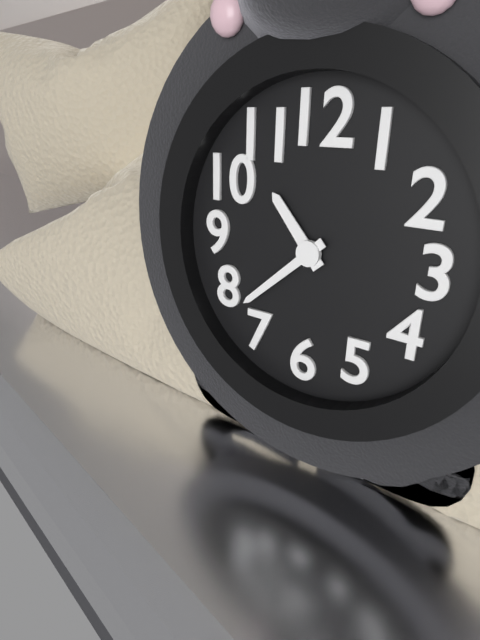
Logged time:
10h38
